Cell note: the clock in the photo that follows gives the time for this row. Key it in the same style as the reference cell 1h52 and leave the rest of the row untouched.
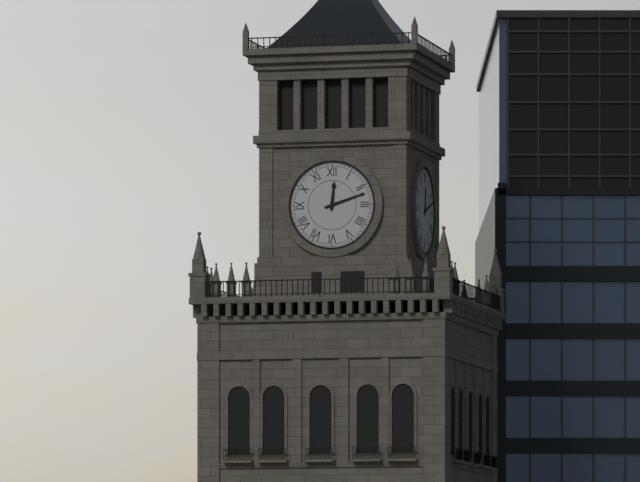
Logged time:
12h12
